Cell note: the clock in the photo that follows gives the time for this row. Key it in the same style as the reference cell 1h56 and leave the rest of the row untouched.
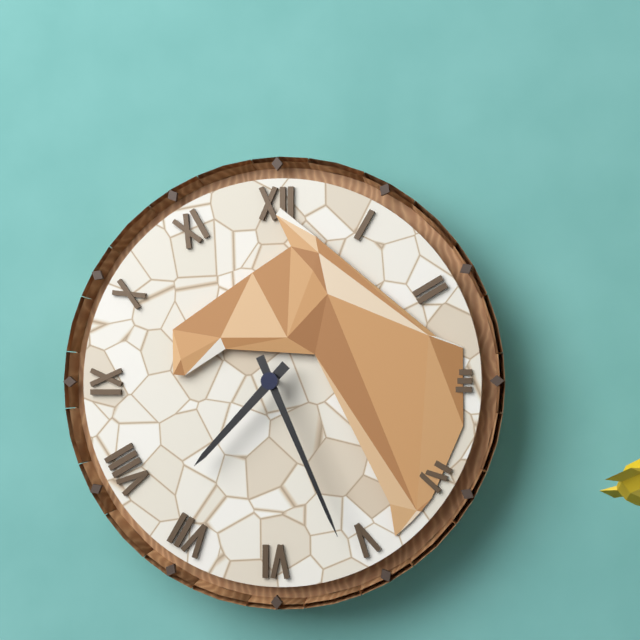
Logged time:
7h26
